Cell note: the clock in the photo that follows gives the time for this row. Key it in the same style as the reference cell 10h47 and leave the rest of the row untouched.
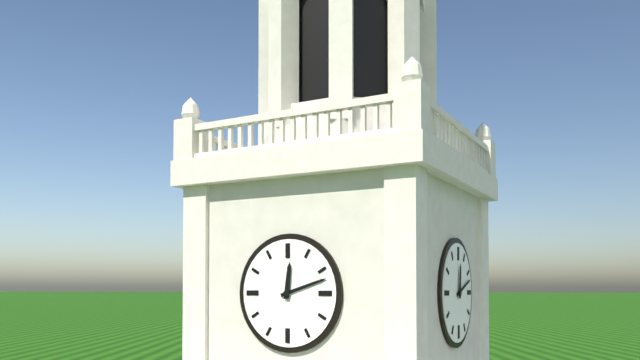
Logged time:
12h12
